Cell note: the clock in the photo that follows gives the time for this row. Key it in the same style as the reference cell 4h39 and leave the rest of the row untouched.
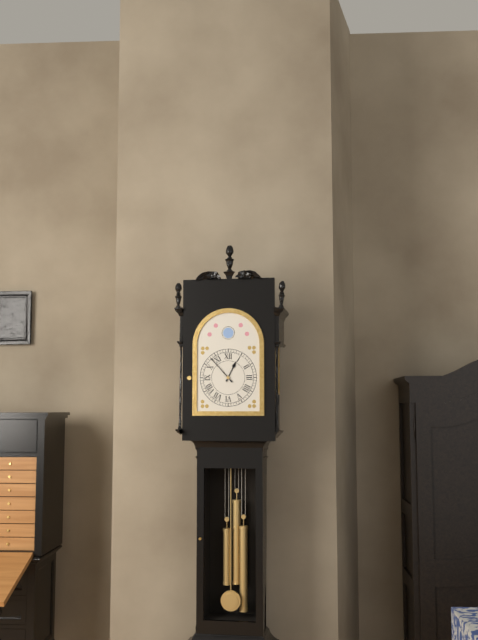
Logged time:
12h53
